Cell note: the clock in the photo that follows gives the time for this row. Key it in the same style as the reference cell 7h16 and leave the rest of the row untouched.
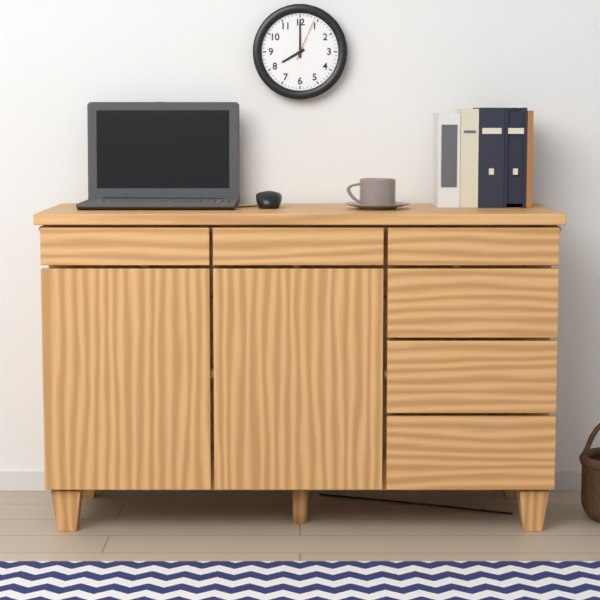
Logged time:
8h00
